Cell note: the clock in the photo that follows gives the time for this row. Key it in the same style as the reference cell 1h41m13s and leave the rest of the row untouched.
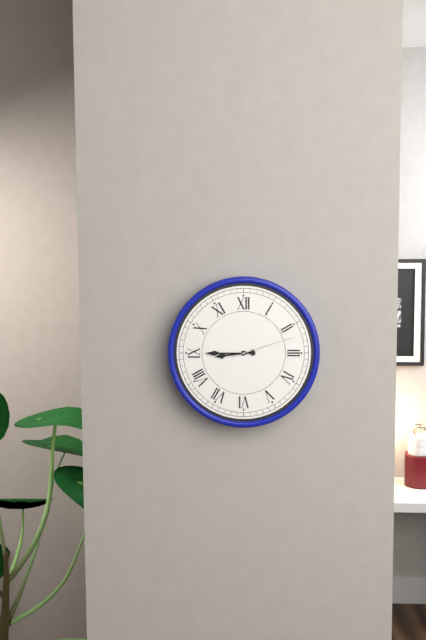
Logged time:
8h45m12s
